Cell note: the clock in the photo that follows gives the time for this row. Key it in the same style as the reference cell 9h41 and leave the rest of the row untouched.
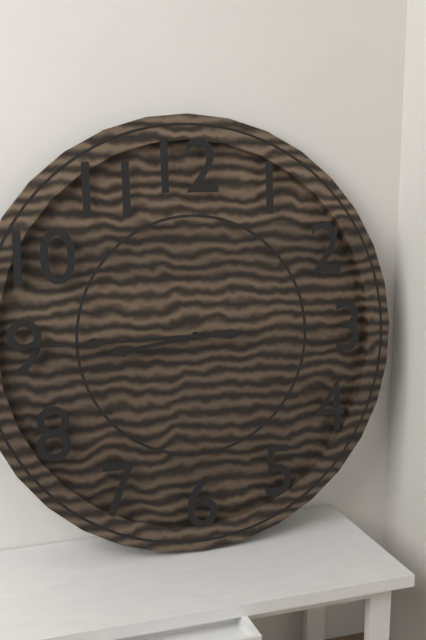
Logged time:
8h45
